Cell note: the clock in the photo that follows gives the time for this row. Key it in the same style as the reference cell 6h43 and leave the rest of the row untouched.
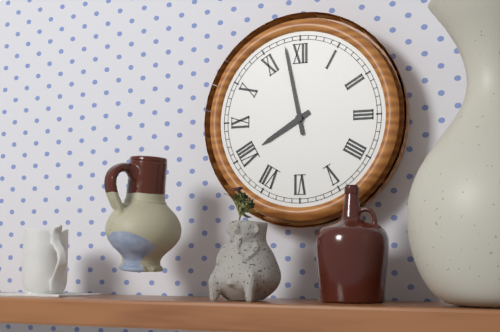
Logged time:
7h58
